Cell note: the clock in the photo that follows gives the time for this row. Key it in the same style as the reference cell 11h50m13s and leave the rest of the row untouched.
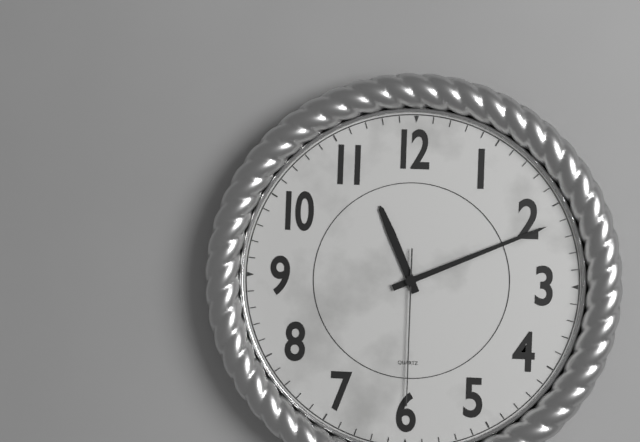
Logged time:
11h11m30s
